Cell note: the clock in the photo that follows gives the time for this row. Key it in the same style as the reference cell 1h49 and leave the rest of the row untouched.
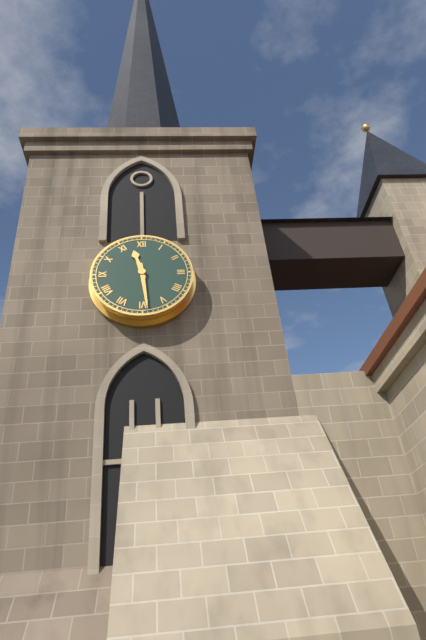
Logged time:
11h29
